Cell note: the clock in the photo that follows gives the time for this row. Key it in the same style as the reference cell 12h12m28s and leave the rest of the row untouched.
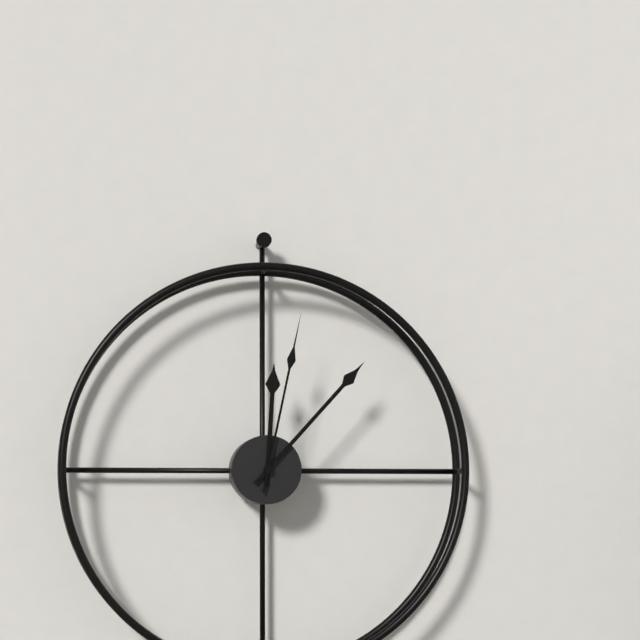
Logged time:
12h07m02s
